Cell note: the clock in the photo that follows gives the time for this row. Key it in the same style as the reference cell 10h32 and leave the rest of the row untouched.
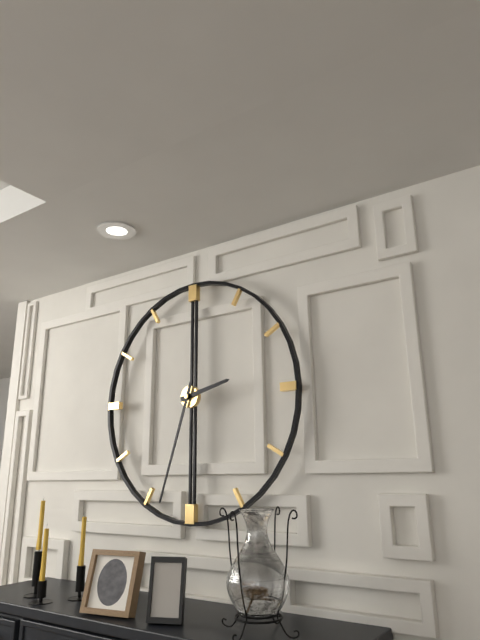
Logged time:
2h33
